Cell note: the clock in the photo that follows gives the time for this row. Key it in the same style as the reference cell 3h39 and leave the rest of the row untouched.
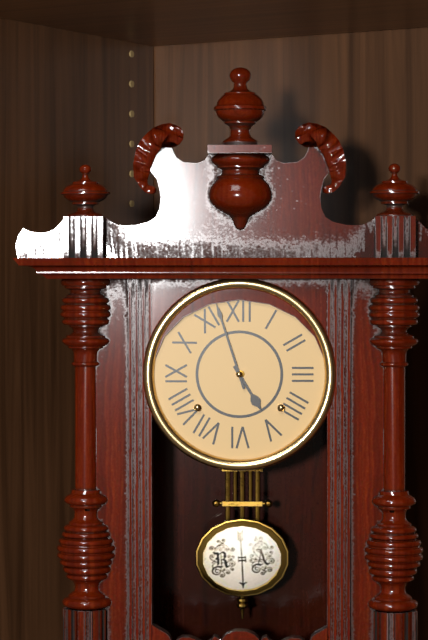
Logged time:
4h57
